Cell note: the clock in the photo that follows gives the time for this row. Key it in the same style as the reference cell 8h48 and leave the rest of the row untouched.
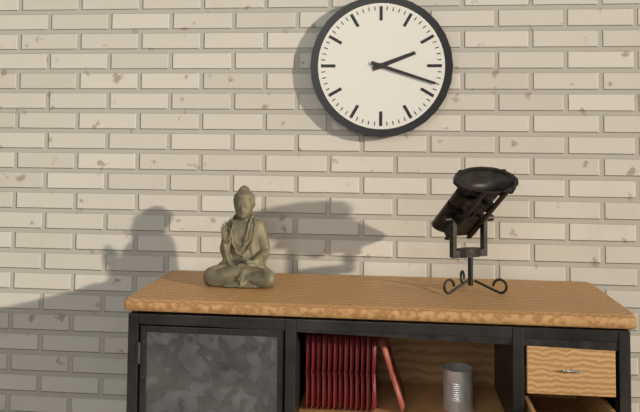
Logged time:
2h18
